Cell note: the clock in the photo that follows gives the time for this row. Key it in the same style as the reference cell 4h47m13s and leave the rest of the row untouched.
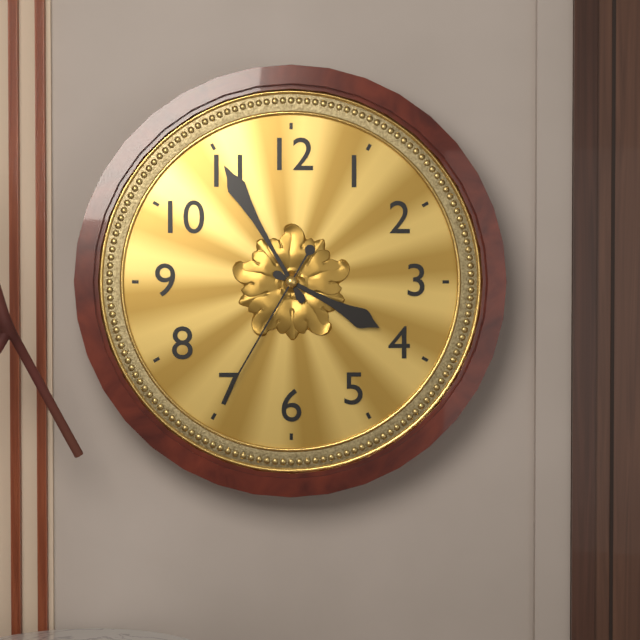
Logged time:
3h55m35s
